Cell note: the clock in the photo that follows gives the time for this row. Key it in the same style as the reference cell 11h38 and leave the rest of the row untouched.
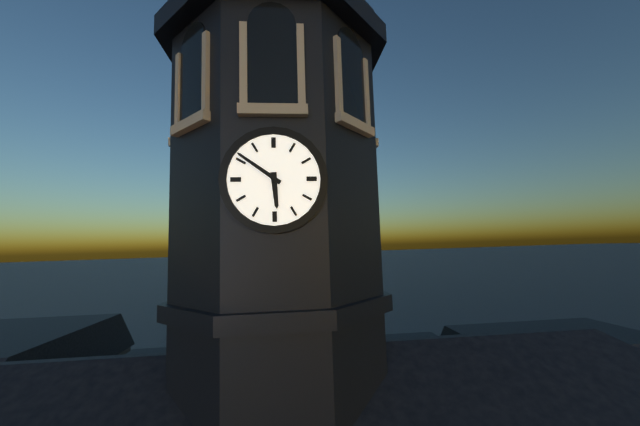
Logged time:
5h51
